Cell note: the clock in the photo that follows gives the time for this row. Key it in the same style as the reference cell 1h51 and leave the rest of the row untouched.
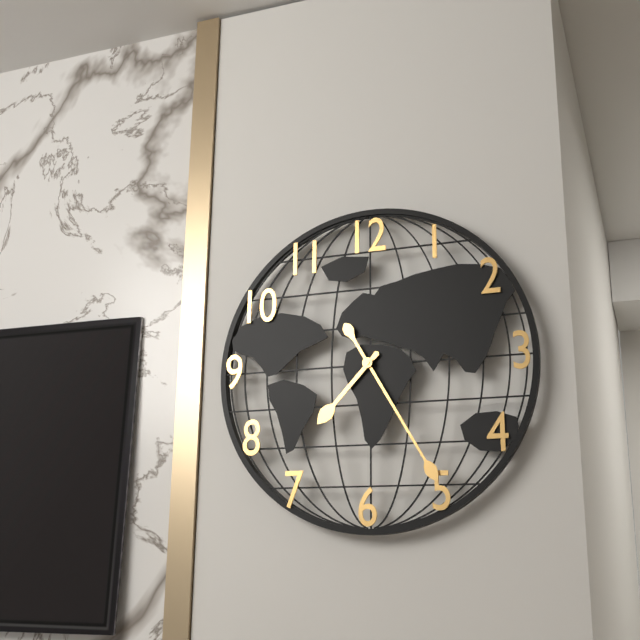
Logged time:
7h25
